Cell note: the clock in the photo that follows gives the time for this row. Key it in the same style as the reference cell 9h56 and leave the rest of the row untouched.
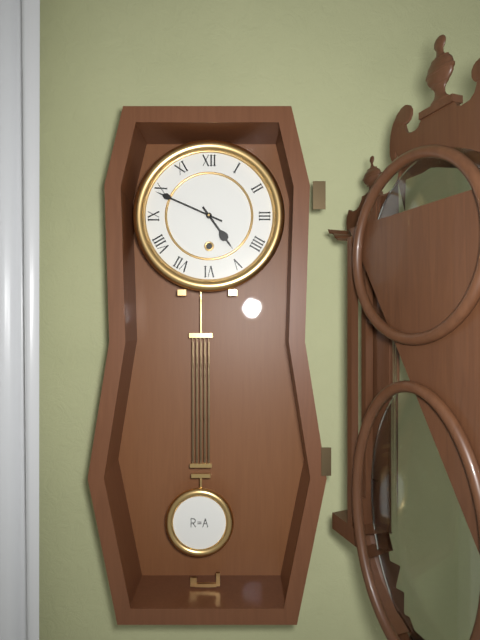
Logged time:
4h49
